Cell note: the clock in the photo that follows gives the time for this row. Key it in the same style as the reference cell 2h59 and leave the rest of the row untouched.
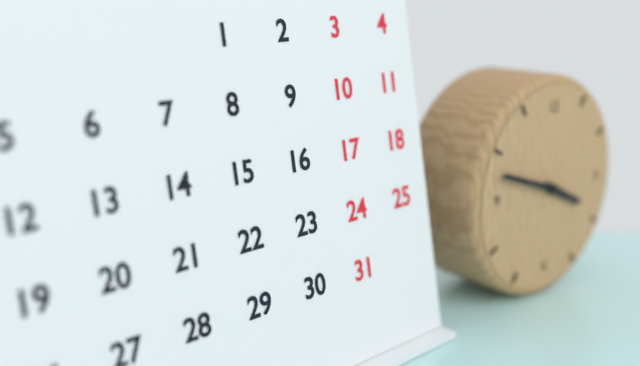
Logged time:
3h48
